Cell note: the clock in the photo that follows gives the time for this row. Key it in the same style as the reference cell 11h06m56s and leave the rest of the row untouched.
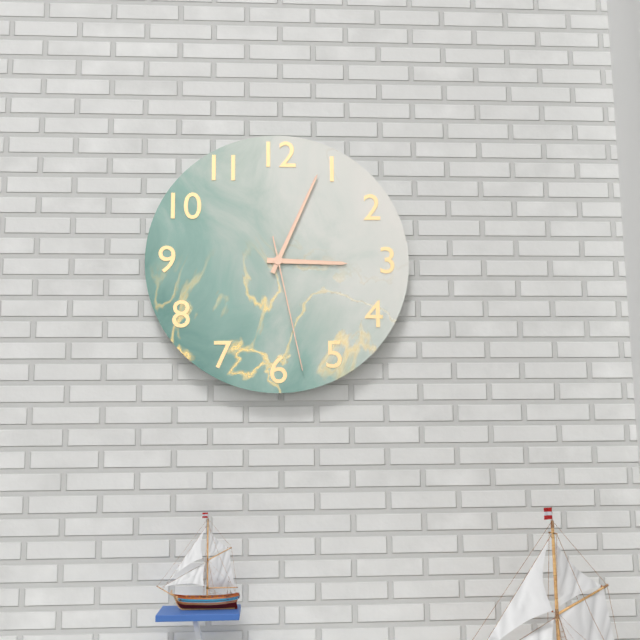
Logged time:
3h04m28s
